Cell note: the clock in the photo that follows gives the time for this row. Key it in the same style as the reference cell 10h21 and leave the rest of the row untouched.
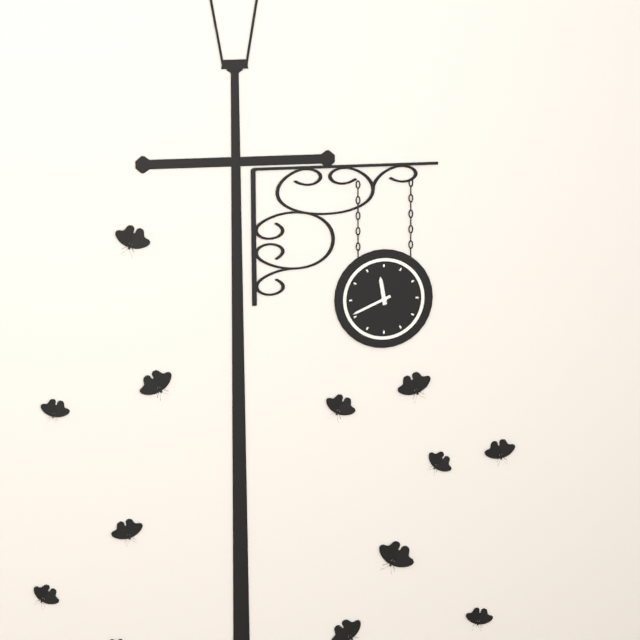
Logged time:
11h41
